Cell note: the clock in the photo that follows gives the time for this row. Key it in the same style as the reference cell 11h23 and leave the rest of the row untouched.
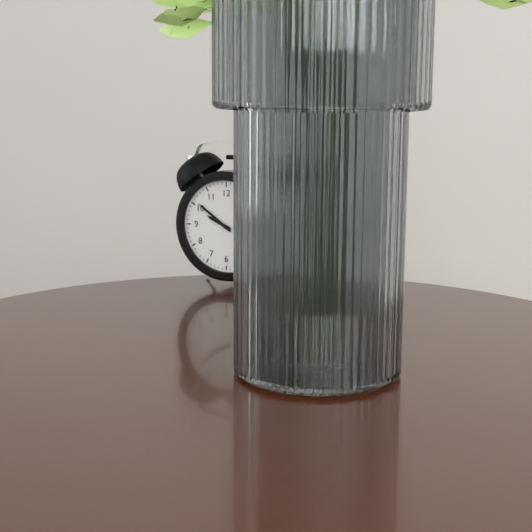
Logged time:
9h51
